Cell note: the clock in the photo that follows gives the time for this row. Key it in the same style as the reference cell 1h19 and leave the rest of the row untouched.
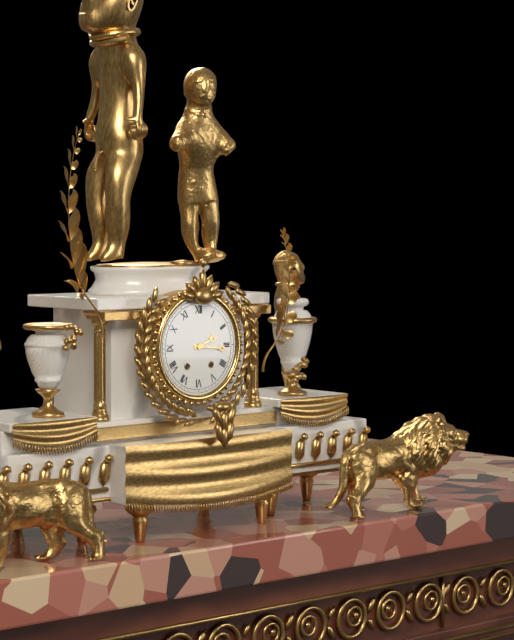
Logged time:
2h16
